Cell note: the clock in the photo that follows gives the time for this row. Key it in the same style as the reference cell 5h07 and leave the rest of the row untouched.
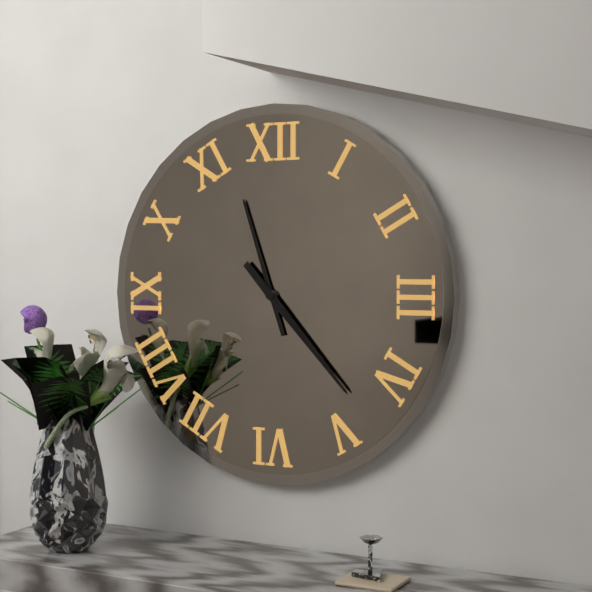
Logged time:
11h23
